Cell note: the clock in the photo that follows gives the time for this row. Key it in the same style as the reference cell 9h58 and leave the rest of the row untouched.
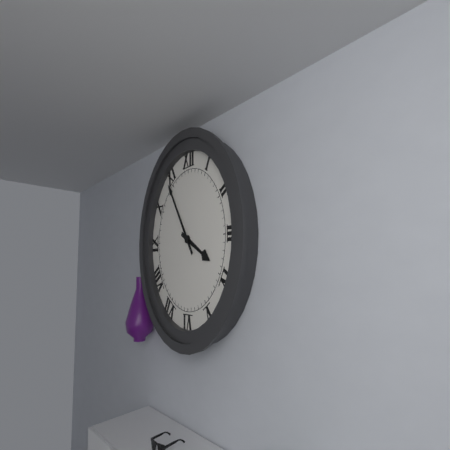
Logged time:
3h54
